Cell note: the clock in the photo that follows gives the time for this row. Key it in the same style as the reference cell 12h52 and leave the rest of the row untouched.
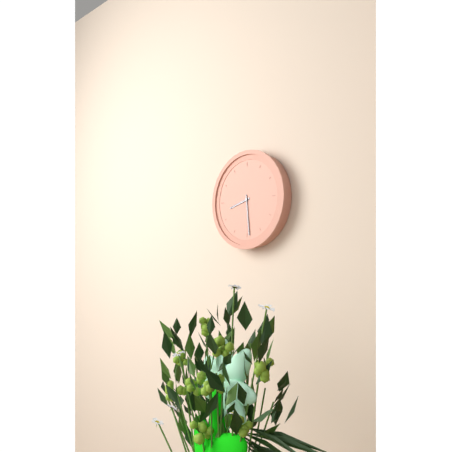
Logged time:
8h29
